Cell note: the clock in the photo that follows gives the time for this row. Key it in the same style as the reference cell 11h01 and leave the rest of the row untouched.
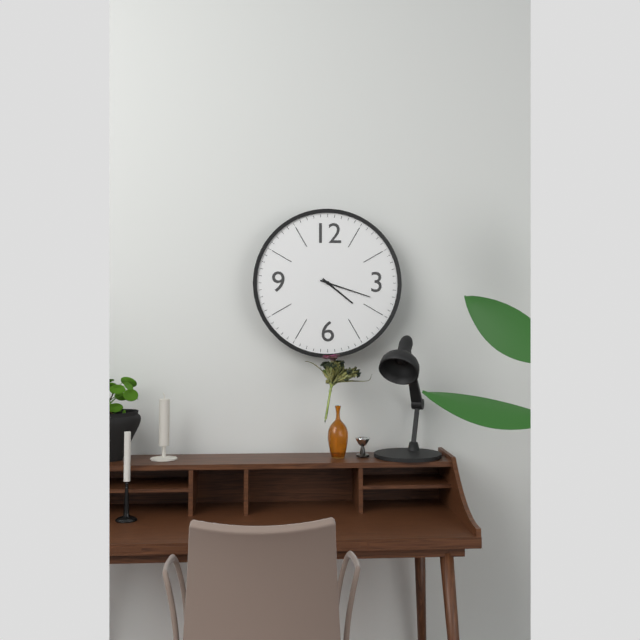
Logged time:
4h18
